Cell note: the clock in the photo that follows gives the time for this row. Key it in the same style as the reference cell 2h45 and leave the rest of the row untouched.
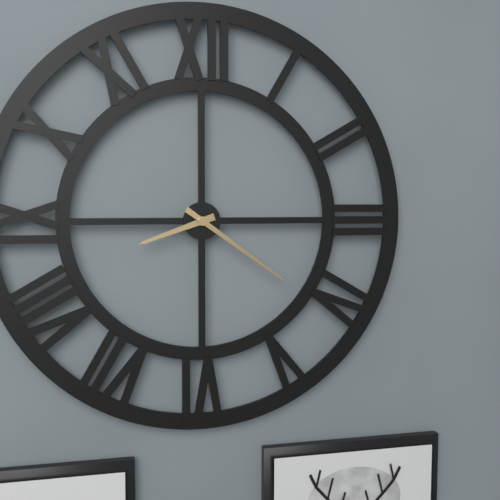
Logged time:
8h21
